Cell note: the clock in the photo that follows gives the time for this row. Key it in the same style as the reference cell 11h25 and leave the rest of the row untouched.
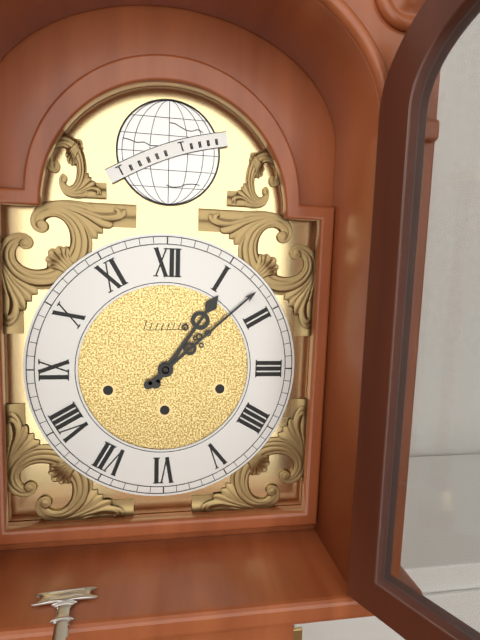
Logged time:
1h08
